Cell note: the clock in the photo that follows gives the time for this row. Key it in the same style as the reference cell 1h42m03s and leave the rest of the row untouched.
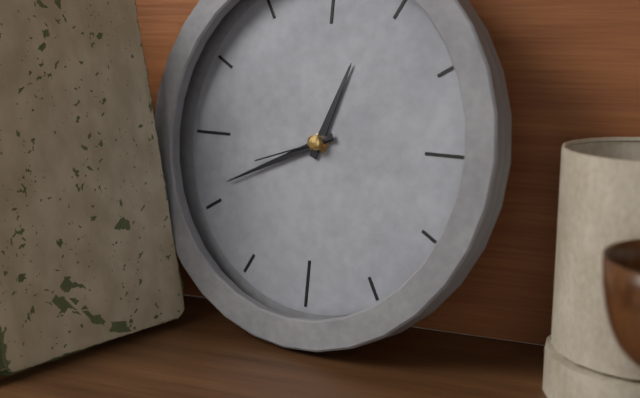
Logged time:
12h41m42s
